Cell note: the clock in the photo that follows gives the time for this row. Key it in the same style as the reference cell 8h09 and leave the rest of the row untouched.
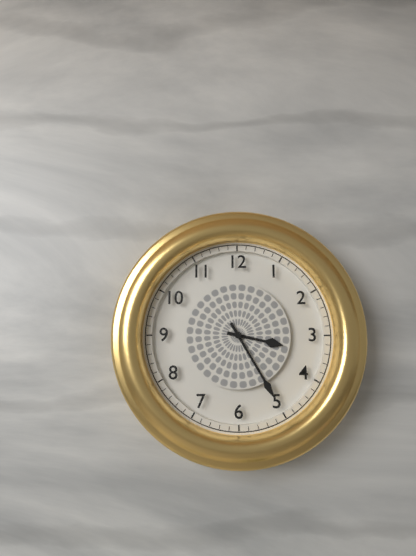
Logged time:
3h25
